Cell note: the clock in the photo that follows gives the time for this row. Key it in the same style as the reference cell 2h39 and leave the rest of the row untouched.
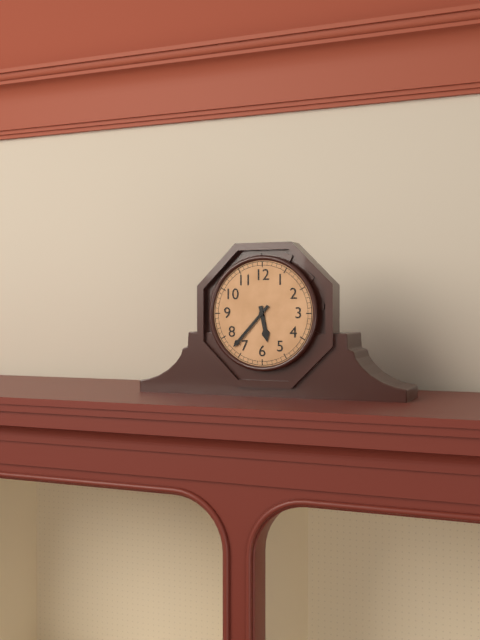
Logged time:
5h37
